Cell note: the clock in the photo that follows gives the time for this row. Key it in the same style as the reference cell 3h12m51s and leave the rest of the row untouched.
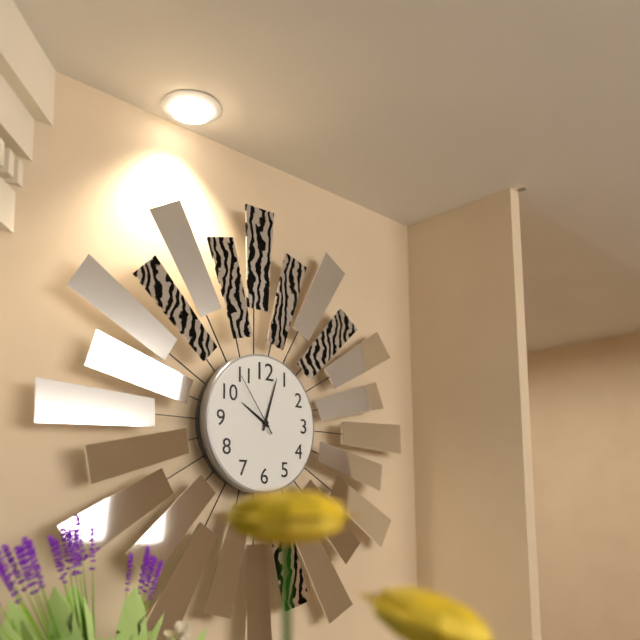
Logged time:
10h03m54s
